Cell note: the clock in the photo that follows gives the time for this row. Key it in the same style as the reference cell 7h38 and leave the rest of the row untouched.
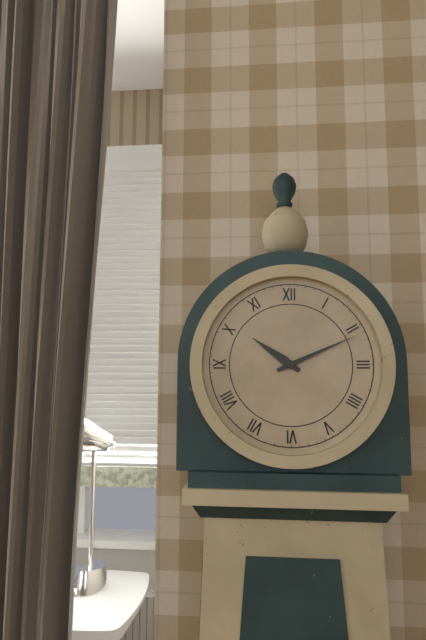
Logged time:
10h11
